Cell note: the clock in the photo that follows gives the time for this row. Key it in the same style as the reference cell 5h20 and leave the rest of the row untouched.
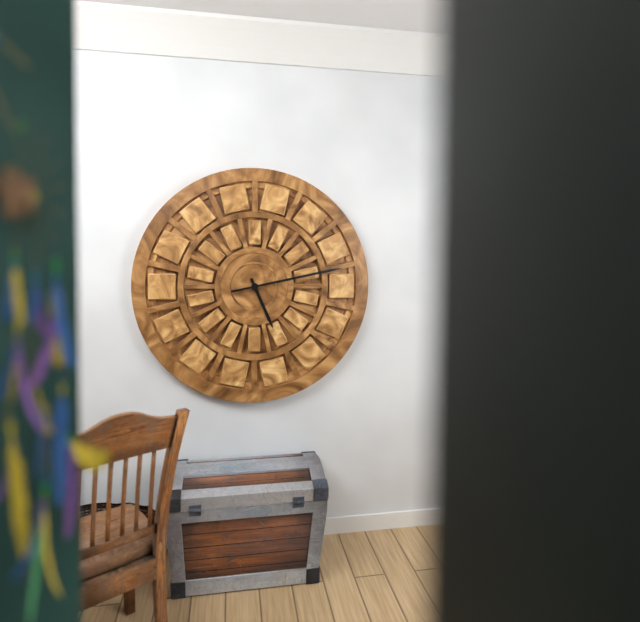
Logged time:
5h13
